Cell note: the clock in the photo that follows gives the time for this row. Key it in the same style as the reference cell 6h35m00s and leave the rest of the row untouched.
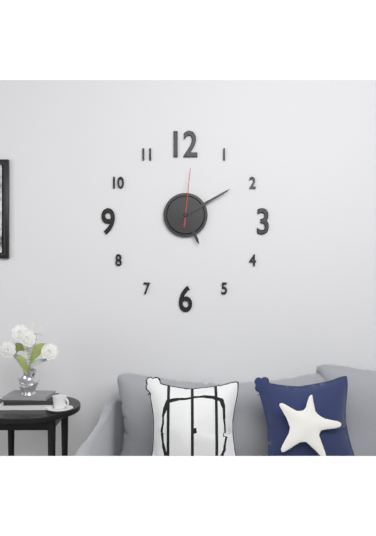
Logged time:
5h10m01s
